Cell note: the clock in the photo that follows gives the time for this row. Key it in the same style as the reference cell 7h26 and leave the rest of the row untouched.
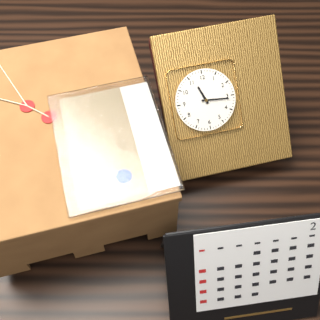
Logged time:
11h16
